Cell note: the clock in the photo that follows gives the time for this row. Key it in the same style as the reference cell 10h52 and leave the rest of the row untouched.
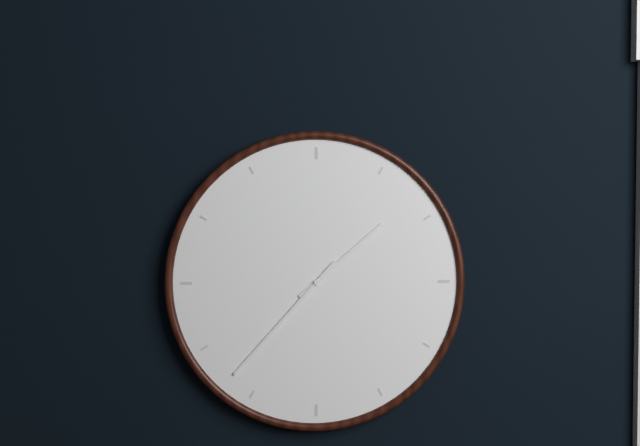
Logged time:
1h37
